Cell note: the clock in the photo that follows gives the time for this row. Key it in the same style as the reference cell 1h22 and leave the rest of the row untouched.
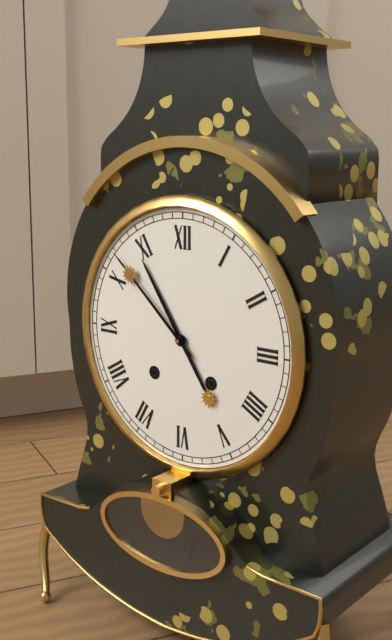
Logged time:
10h52
